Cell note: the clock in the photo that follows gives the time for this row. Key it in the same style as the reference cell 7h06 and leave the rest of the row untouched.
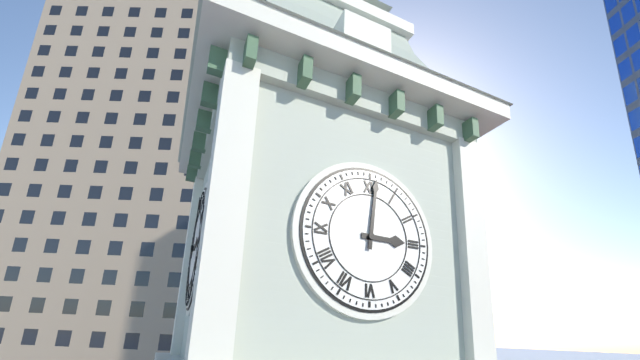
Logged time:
3h01
